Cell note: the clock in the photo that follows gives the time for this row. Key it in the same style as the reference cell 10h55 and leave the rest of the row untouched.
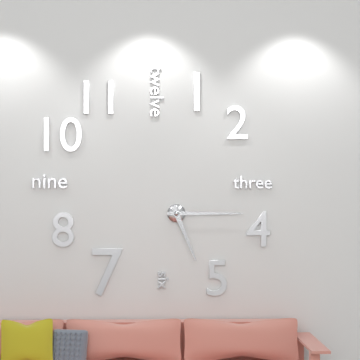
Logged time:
5h15
